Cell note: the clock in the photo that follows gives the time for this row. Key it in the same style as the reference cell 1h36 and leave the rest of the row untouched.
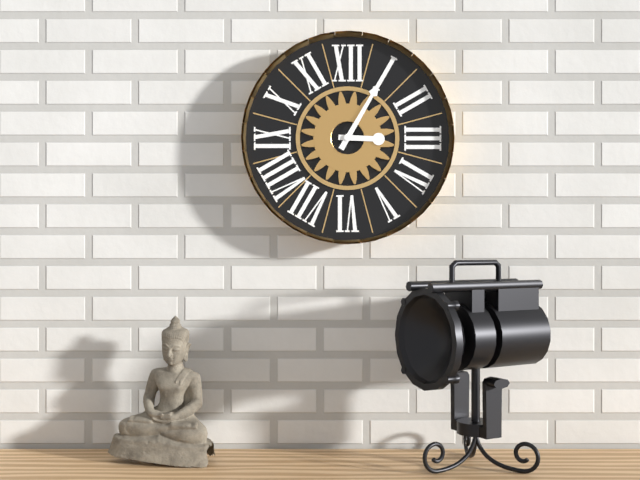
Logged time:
3h05
